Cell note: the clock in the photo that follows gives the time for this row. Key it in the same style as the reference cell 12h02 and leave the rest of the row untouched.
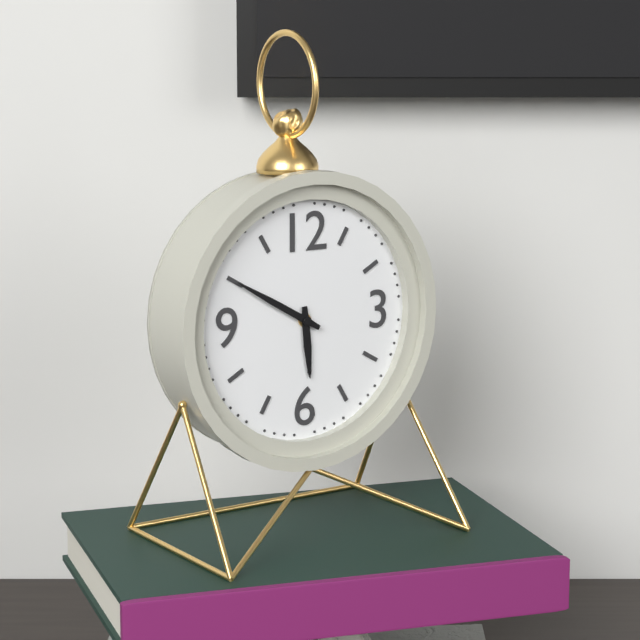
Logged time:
5h50
